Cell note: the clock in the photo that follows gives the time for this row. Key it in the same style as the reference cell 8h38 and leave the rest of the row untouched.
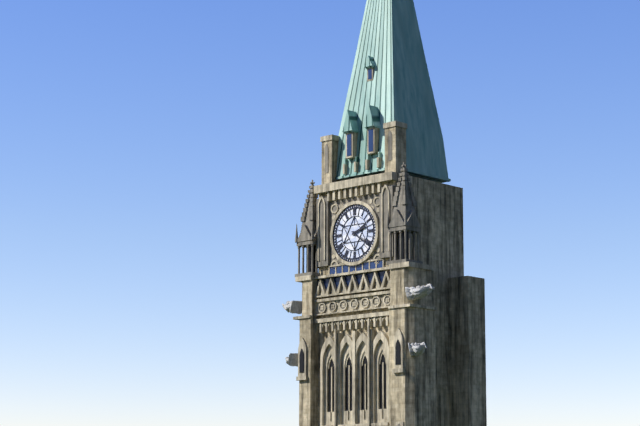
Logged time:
2h21
